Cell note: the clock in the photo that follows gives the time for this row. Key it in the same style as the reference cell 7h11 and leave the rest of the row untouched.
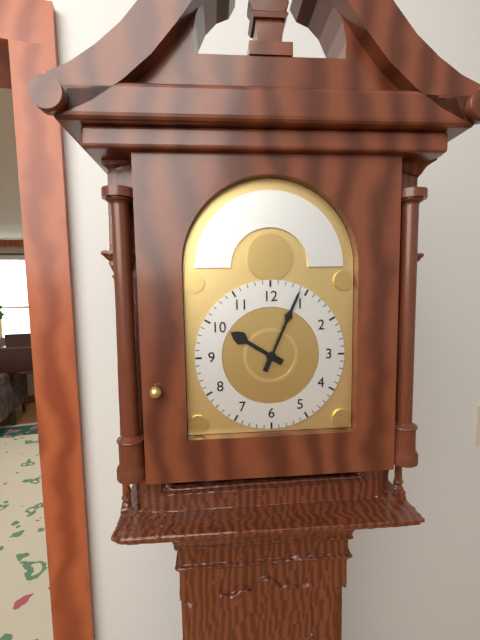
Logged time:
10h04
